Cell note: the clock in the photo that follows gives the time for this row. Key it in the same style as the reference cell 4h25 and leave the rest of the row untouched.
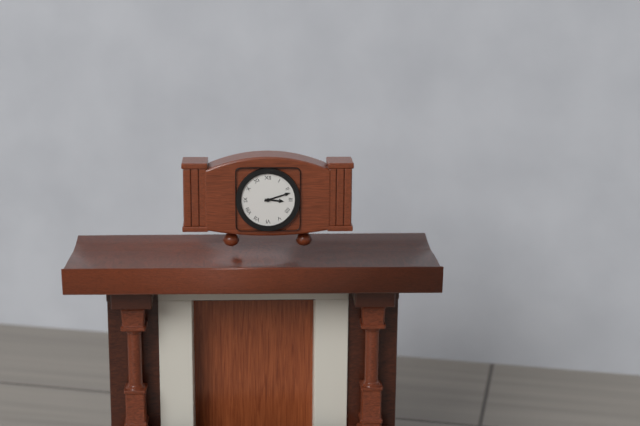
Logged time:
3h12
